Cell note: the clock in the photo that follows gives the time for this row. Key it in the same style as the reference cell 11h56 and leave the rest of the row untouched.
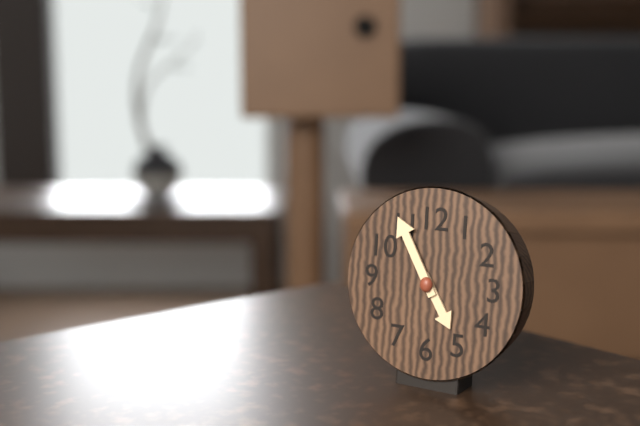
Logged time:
4h55
